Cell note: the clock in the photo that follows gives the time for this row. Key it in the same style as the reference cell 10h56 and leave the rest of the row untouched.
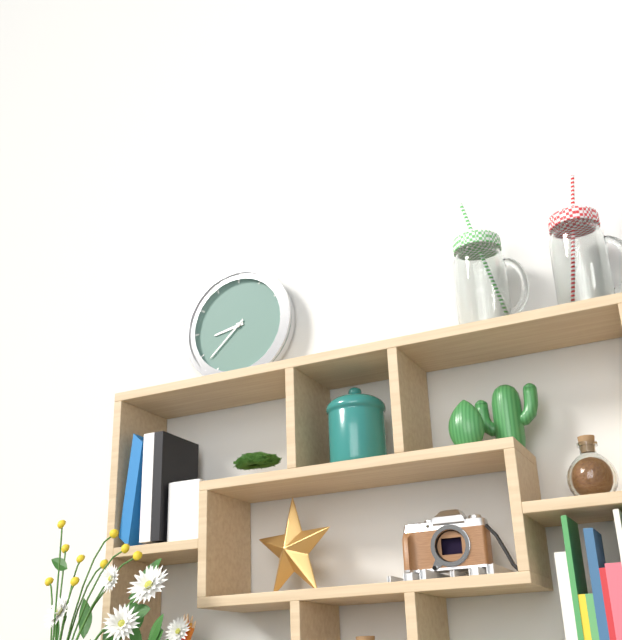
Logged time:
8h38
